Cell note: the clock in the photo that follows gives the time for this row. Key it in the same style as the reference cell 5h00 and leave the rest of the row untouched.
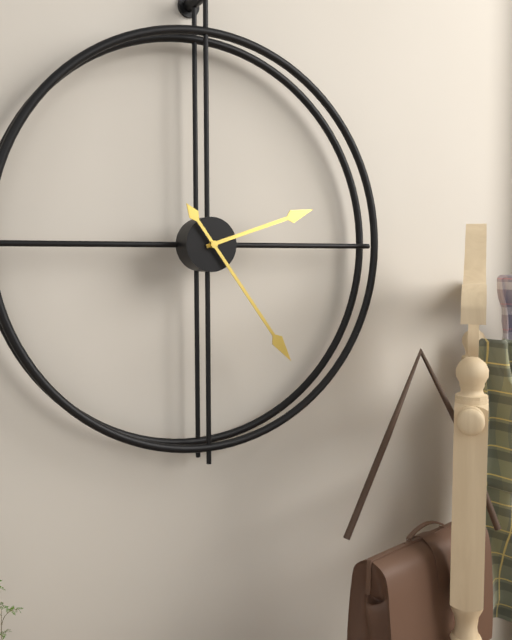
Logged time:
2h24
